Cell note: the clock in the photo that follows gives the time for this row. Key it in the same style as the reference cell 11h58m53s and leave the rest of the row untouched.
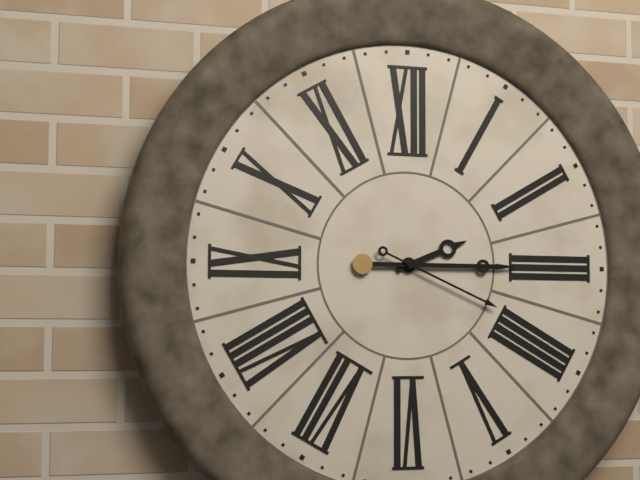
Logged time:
2h15m19s
